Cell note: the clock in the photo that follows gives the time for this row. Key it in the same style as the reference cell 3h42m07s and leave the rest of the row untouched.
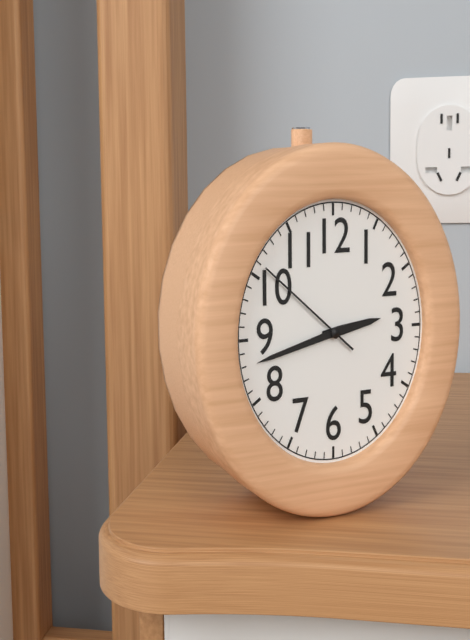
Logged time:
2h43m51s
